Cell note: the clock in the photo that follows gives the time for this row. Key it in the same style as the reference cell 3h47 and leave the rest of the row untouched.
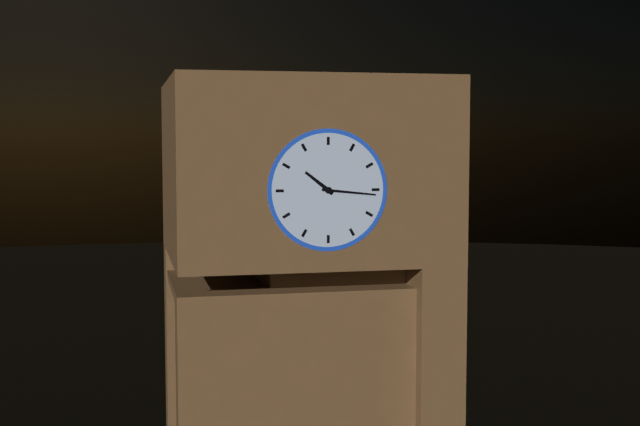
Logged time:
10h16
